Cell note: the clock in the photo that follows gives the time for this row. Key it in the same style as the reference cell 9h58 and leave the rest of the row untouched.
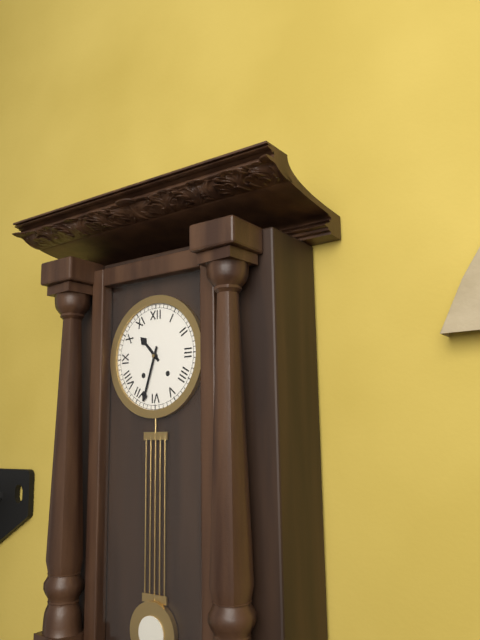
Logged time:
10h33
